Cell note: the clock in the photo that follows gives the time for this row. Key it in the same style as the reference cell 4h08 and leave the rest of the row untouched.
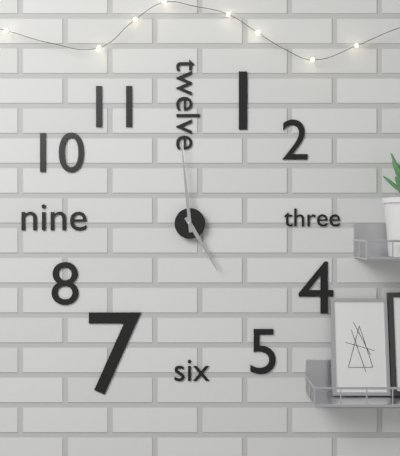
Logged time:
4h59
